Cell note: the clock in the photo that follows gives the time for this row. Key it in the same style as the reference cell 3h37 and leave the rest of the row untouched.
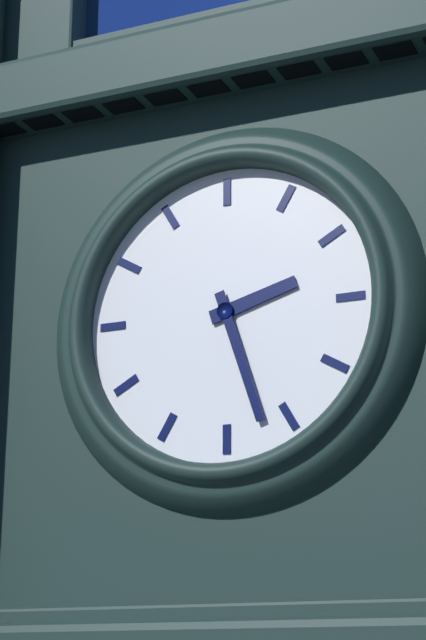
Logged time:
2h27
